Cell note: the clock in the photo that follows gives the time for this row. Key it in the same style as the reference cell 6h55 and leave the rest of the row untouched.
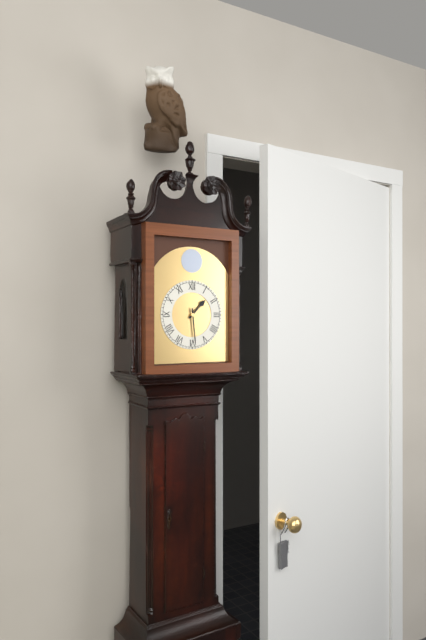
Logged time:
1h29
